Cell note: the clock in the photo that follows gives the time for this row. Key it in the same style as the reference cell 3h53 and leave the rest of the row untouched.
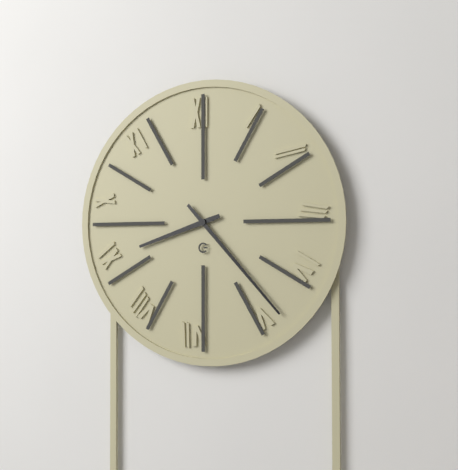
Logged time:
8h23
